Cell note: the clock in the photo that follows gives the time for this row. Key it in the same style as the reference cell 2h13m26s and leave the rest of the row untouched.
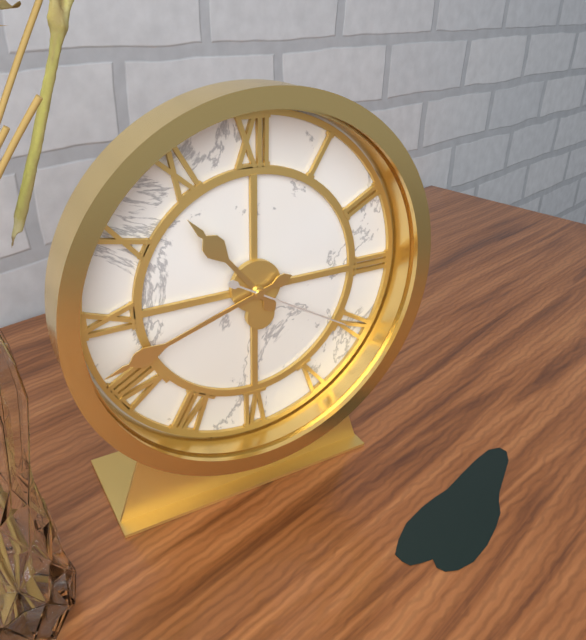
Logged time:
10h42m20s
